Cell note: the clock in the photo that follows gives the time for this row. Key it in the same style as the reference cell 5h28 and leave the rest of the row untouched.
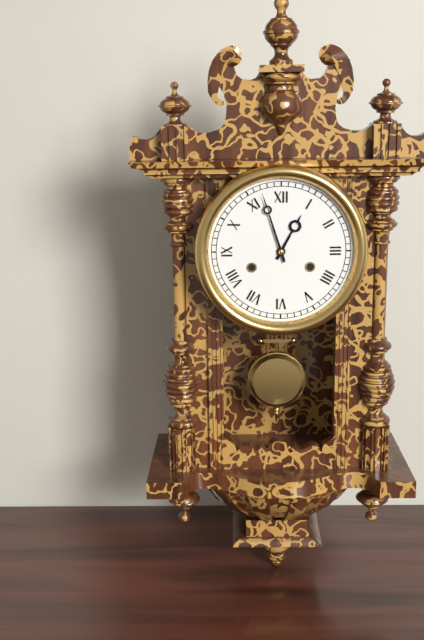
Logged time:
12h57
